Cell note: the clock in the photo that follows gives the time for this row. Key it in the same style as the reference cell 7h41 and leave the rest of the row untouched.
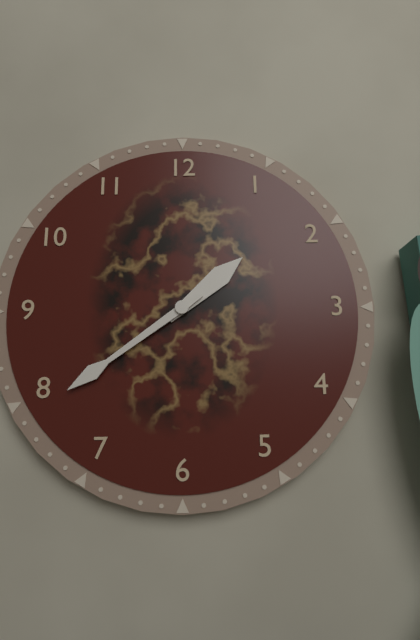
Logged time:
1h39
